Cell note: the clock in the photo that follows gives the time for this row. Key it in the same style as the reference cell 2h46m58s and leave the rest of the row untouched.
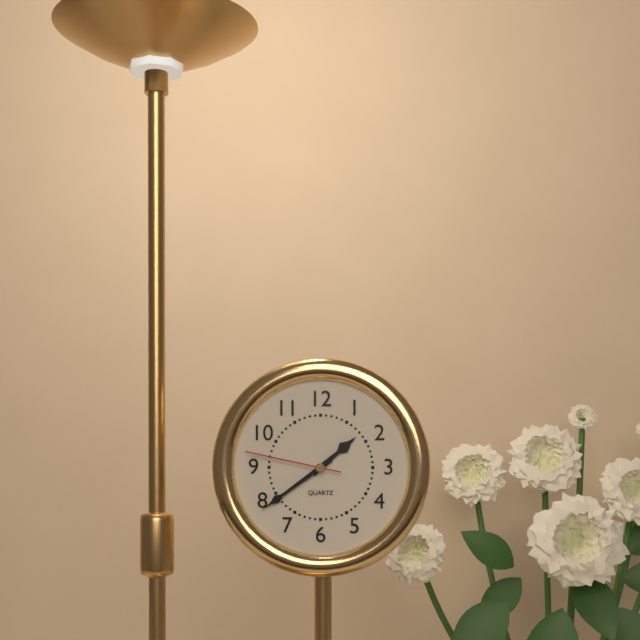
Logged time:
1h39m47s
